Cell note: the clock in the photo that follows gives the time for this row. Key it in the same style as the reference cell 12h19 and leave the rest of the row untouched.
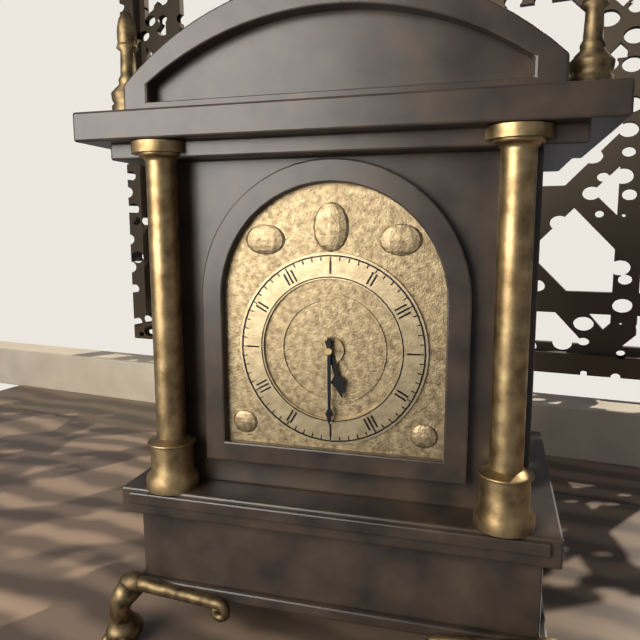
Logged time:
5h30
